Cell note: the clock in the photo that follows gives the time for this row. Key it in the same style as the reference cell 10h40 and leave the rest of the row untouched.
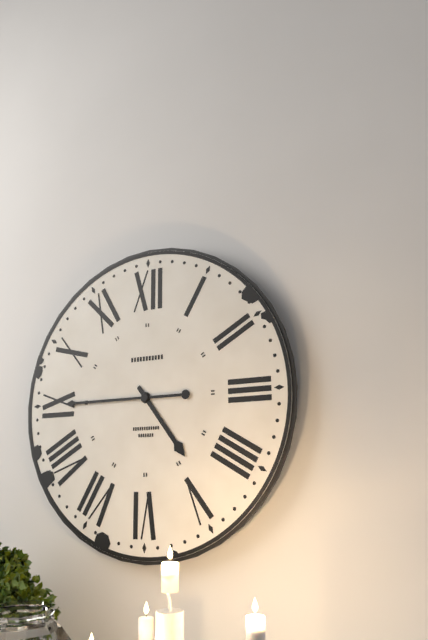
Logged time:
4h45
